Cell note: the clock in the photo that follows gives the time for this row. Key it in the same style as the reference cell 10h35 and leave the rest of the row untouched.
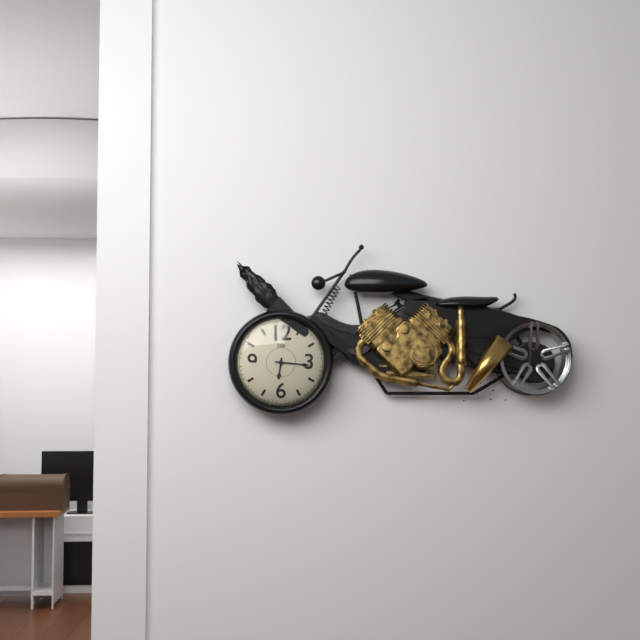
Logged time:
6h16
